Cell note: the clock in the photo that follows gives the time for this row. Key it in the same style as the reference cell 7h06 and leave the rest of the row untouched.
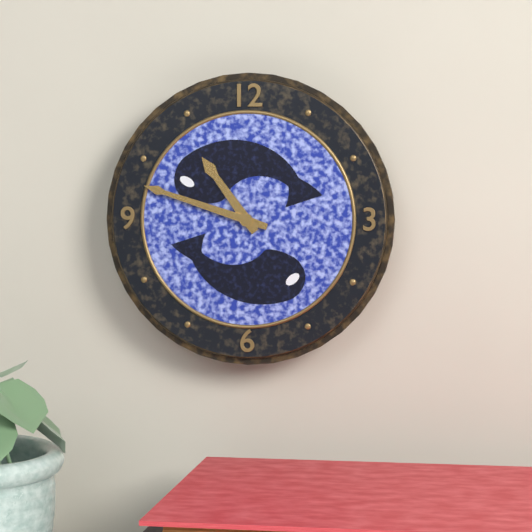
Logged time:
10h48
